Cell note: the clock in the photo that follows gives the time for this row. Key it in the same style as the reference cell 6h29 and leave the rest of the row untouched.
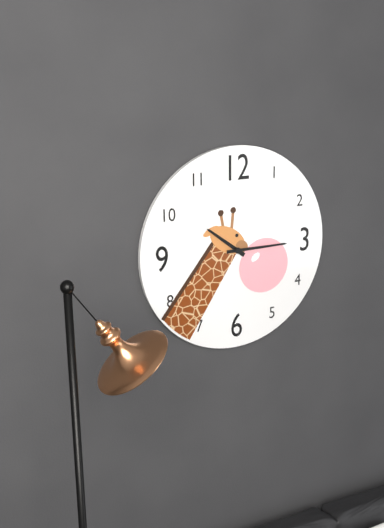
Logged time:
10h15
